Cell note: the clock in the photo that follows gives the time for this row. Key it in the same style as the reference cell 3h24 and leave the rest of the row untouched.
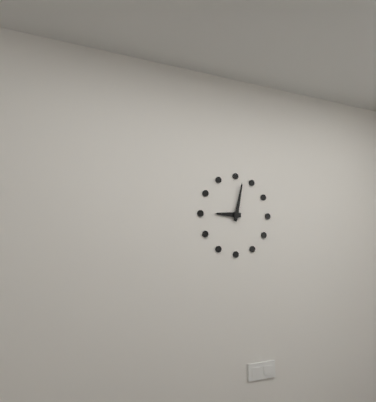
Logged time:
9h02
